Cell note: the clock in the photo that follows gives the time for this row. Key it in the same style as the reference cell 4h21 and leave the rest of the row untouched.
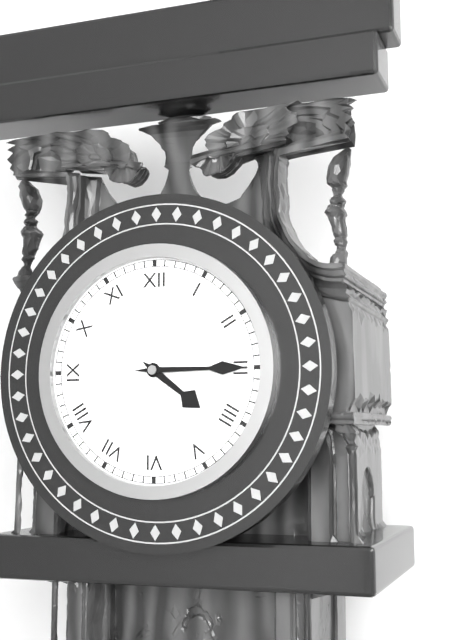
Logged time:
4h15
